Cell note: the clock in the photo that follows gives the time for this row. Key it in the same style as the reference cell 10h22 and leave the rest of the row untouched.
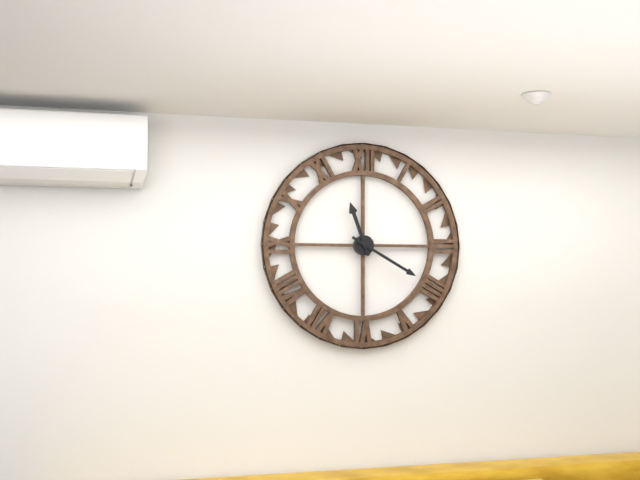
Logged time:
11h20
